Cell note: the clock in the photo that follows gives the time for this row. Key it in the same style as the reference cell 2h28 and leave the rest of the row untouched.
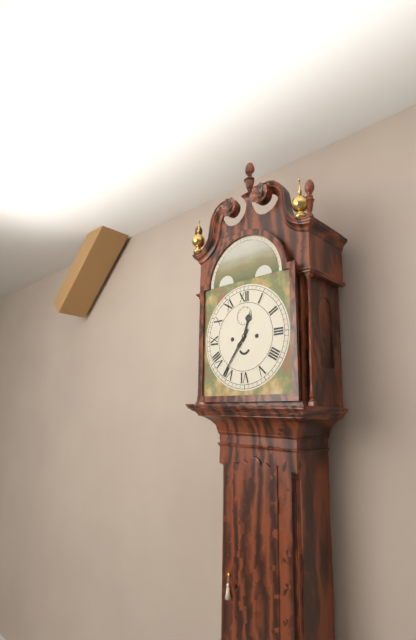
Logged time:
12h36
